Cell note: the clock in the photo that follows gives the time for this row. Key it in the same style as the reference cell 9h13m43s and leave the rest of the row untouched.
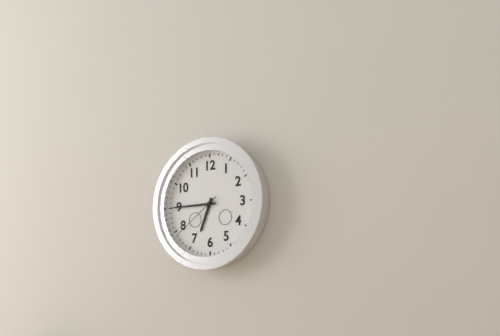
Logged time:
6h45m39s
